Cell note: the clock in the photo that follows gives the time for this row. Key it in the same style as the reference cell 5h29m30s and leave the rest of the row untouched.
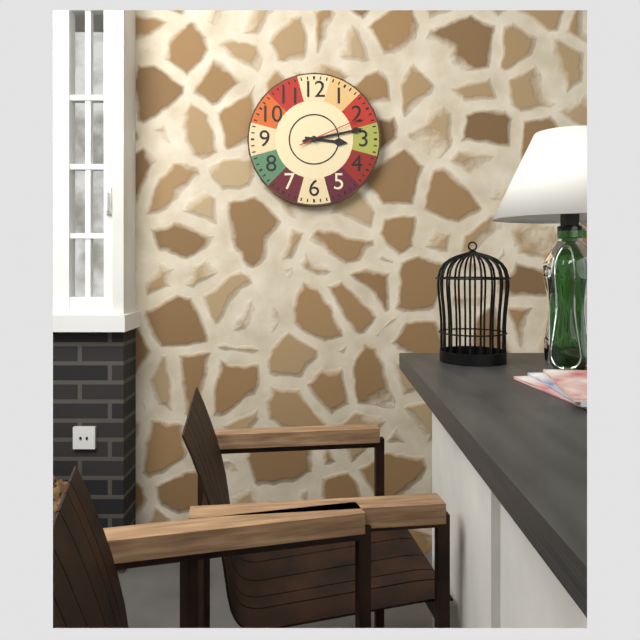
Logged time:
3h13m11s
